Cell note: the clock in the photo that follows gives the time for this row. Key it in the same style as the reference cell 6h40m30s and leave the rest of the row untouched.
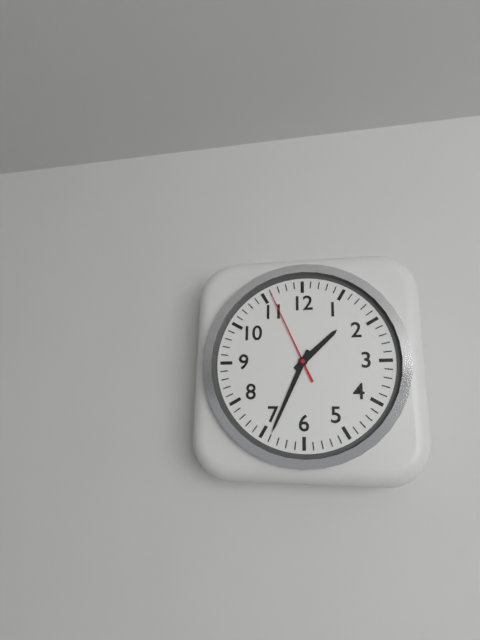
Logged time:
1h34m56s
